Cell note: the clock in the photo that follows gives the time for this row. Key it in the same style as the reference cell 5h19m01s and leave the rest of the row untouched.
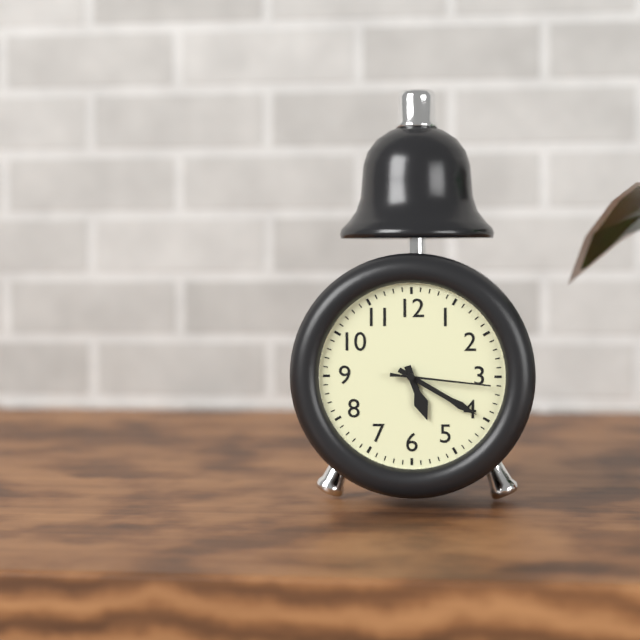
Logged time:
5h20m16s
